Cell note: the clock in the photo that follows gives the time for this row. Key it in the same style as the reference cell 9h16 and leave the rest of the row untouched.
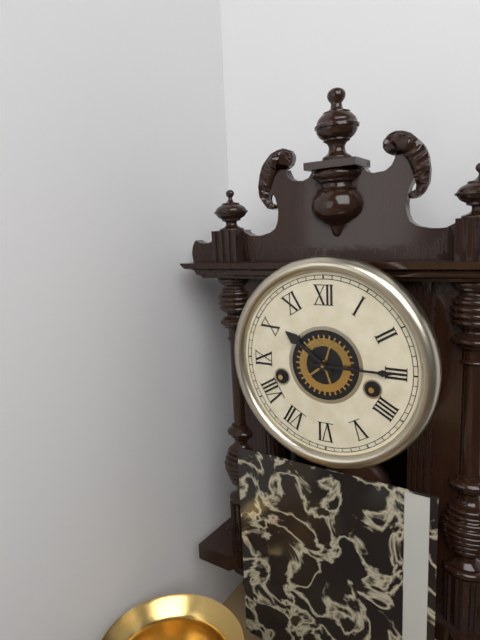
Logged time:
10h15
